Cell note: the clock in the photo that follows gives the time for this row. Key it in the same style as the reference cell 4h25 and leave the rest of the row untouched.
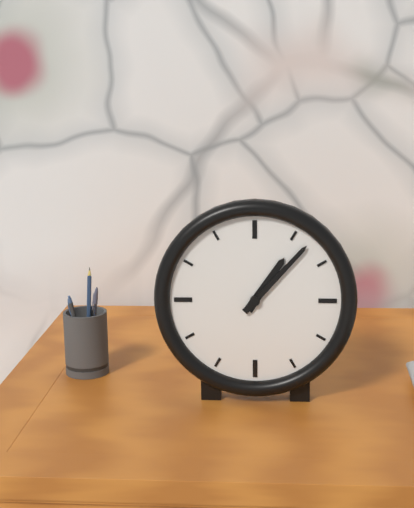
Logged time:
1h07
